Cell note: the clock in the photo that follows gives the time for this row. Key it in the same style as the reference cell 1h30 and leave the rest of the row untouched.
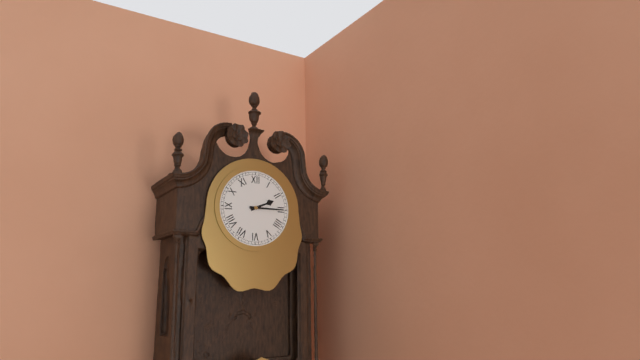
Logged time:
2h15
